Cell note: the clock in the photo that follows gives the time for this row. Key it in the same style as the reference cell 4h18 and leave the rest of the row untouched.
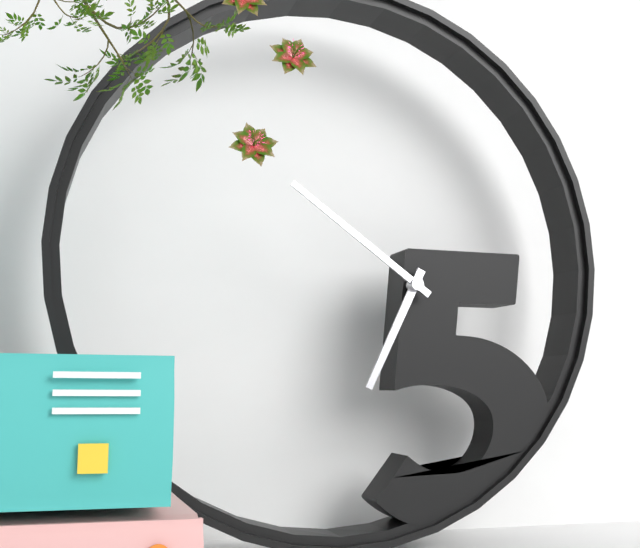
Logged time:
6h51
